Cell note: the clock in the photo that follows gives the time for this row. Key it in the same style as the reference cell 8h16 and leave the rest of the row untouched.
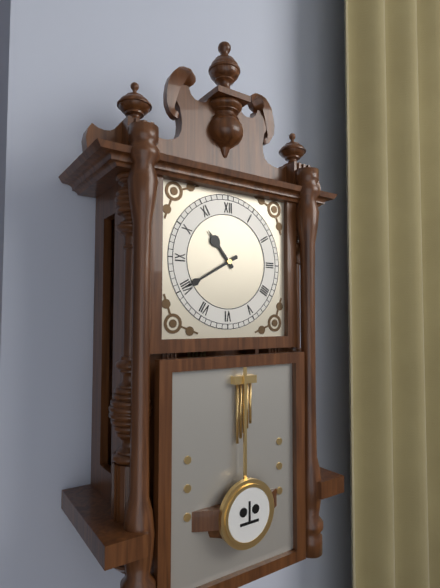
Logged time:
10h40
